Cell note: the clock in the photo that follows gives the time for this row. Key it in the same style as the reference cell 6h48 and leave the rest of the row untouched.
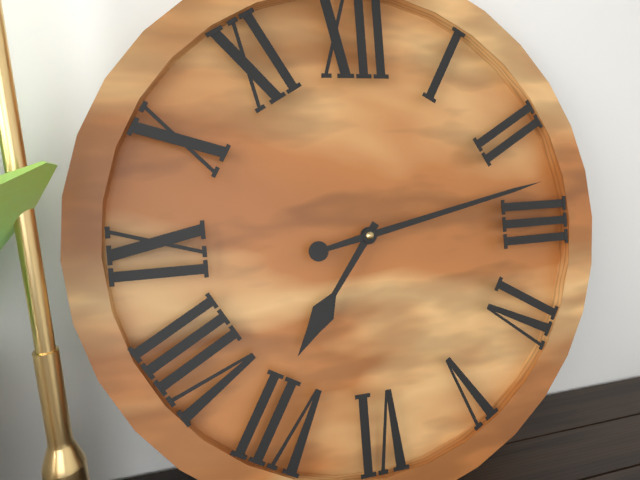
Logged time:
7h13
